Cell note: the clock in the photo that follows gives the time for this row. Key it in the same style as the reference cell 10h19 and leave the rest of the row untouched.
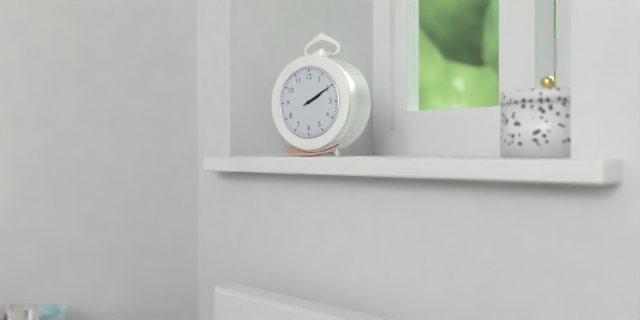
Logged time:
2h10
